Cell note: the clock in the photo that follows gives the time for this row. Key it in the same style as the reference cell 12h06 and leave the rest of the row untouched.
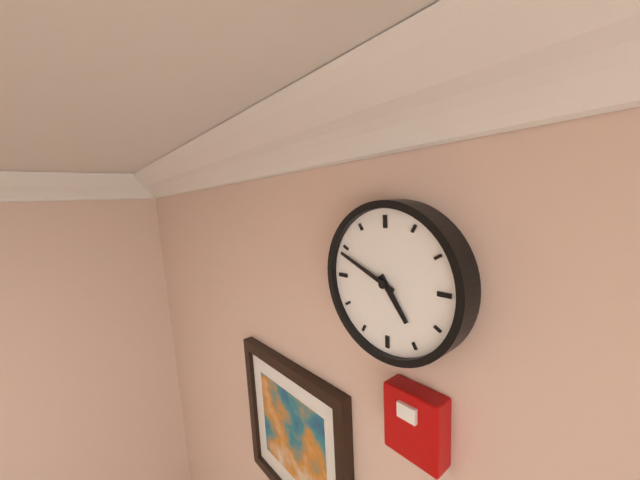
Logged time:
4h49
